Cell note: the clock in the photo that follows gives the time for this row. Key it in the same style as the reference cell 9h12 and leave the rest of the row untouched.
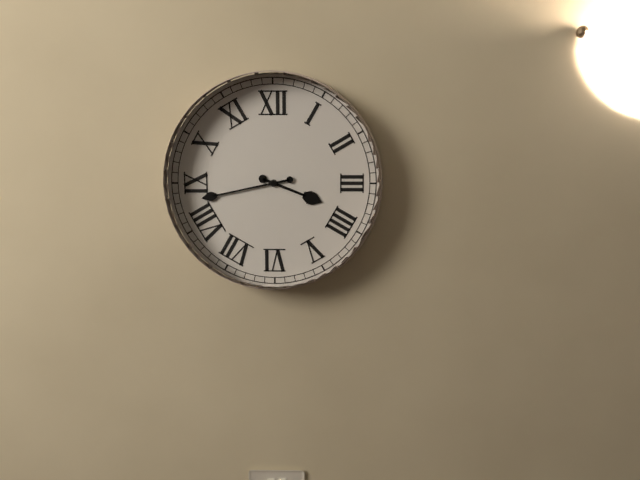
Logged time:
3h43
